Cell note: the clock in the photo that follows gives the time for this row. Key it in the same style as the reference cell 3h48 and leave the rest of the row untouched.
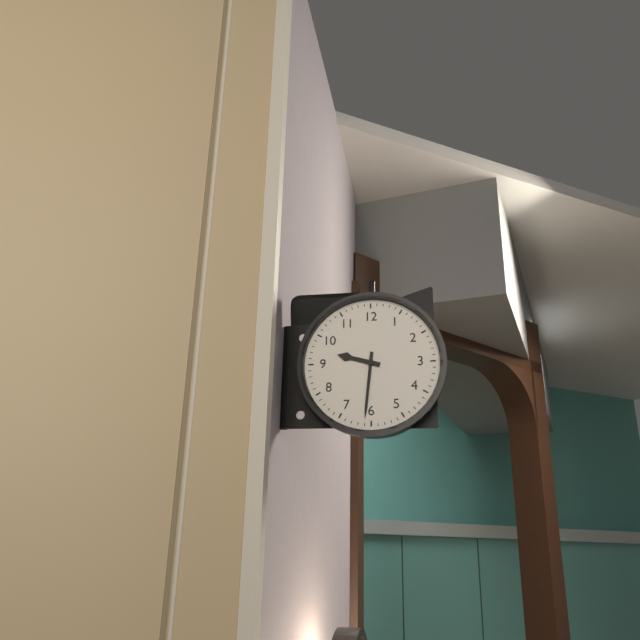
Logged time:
9h31
